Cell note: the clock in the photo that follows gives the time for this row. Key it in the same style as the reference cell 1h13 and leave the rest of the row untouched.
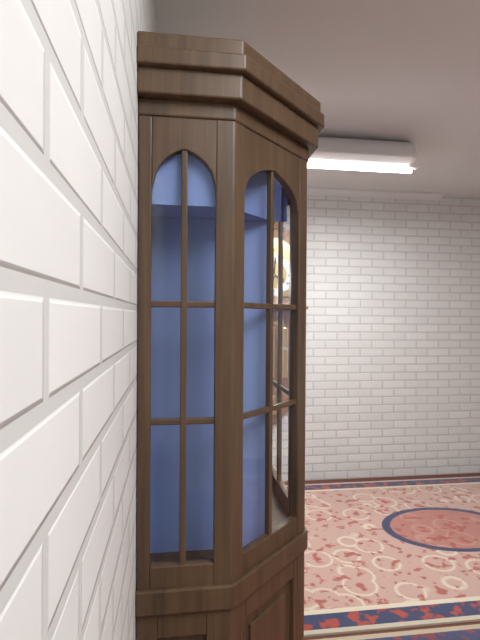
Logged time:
4h01
